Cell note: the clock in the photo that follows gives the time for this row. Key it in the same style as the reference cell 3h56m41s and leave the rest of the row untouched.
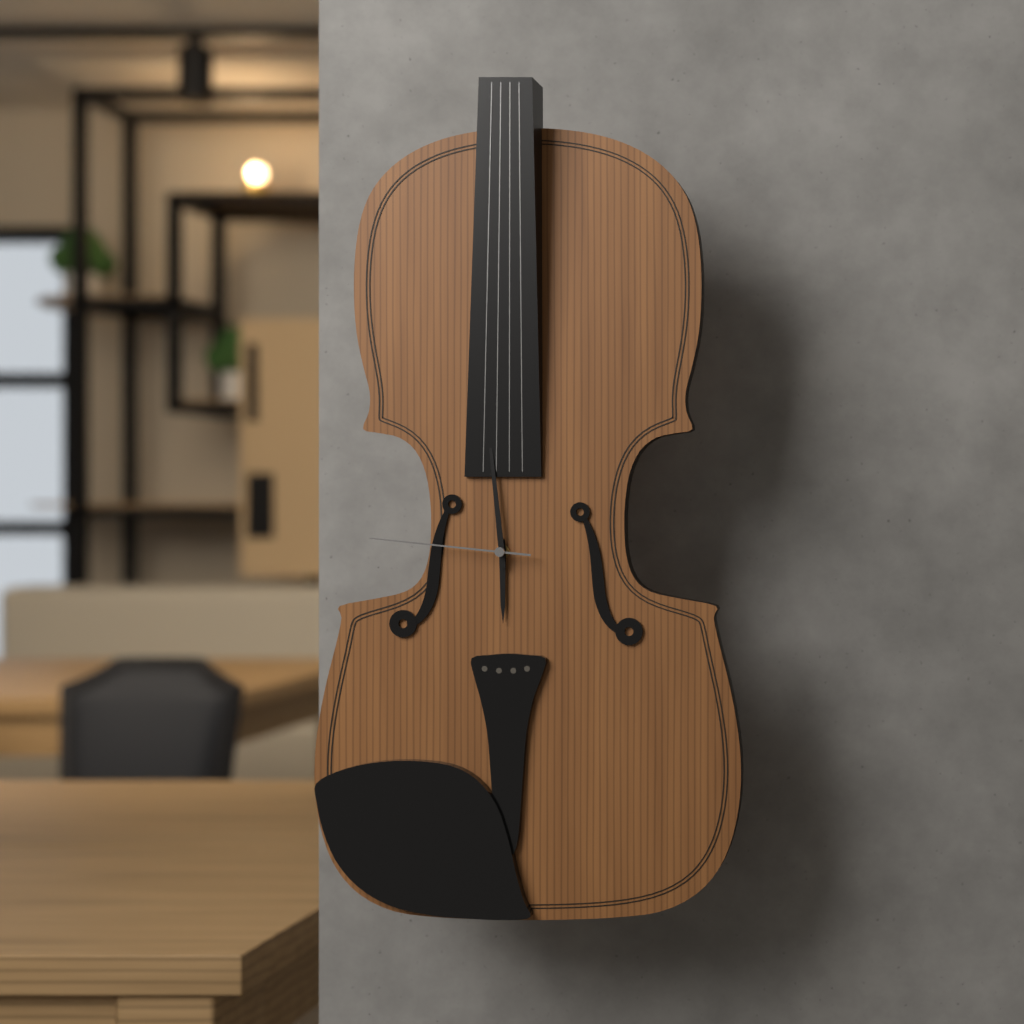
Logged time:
5h59m46s
